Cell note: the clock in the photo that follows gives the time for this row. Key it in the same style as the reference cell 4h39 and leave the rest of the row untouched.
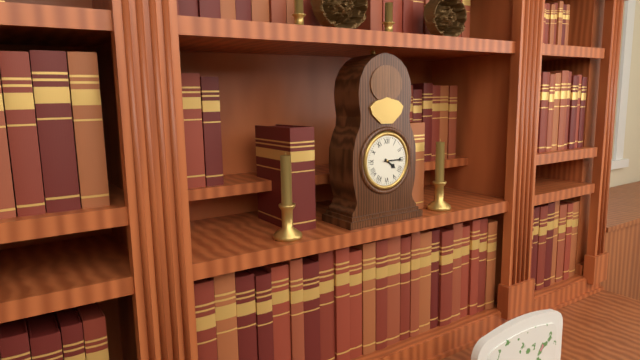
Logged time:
4h15
